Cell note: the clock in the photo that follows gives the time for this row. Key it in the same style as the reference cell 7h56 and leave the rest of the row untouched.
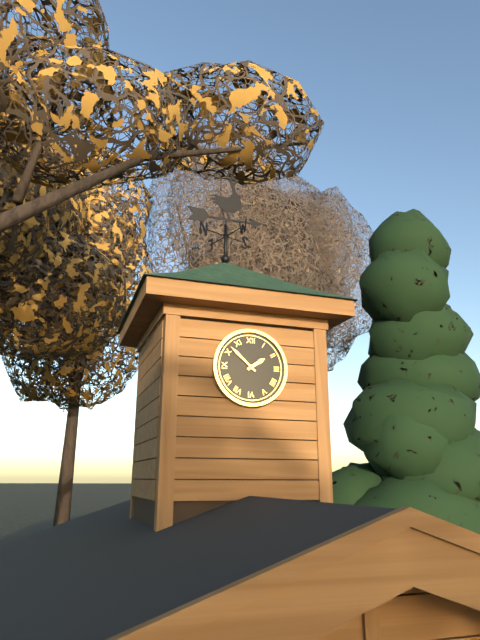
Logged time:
1h52
